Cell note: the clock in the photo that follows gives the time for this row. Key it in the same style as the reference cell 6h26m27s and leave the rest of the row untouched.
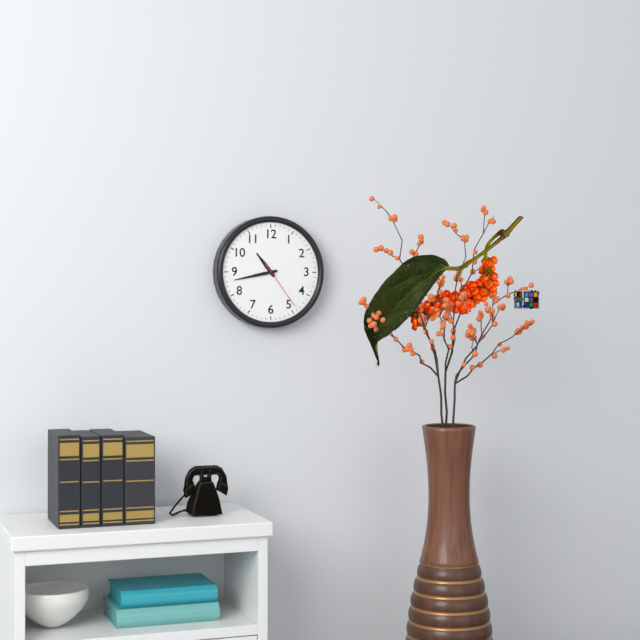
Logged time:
10h43m24s
